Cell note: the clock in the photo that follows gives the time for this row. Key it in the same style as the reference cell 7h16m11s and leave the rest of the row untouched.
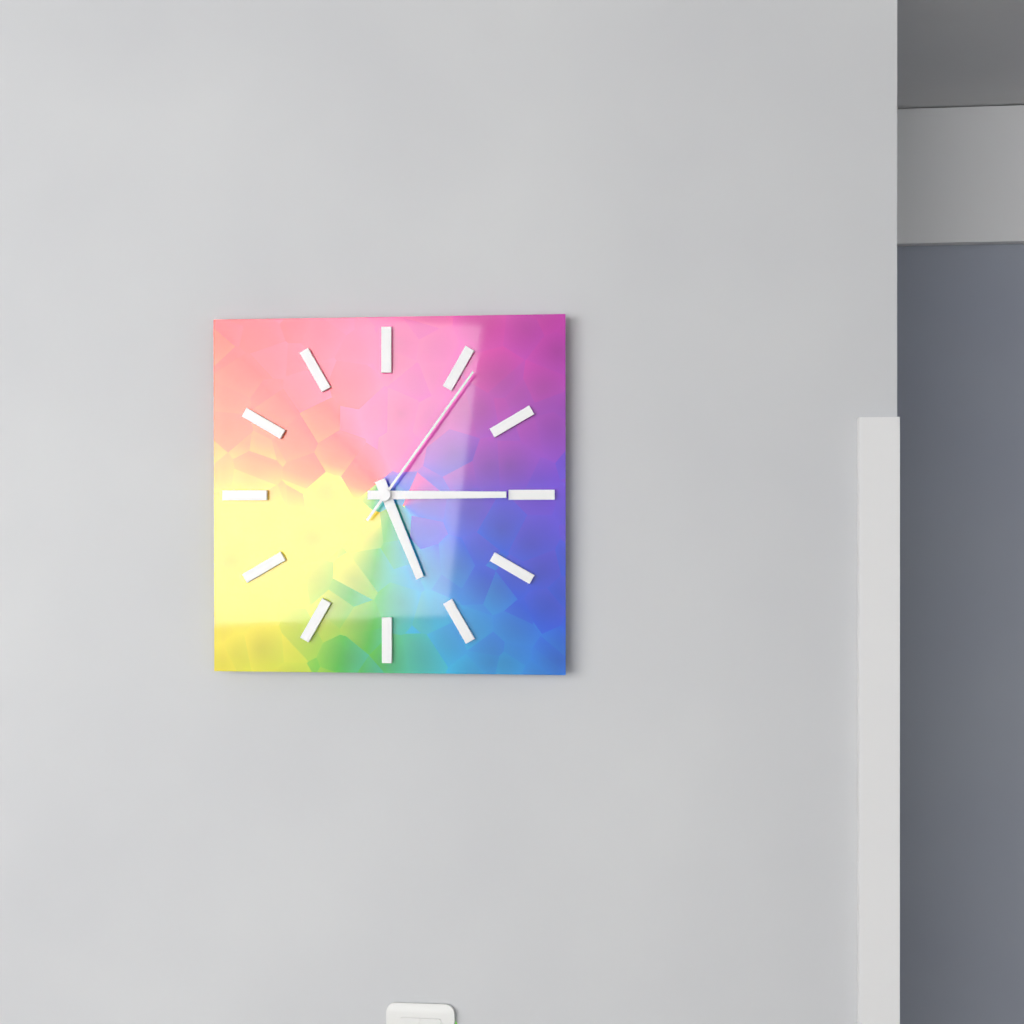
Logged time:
5h15m06s
